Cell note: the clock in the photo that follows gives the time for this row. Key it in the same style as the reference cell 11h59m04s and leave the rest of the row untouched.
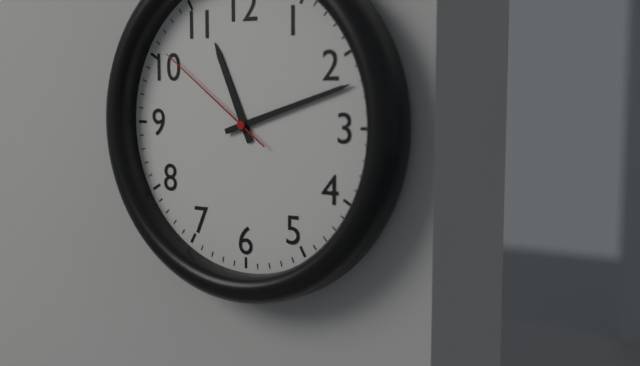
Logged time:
11h12m51s
